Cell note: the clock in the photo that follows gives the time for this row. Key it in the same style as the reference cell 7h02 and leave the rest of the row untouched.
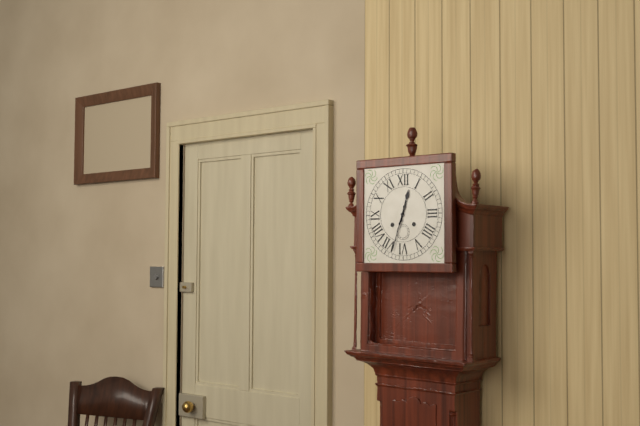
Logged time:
12h33
